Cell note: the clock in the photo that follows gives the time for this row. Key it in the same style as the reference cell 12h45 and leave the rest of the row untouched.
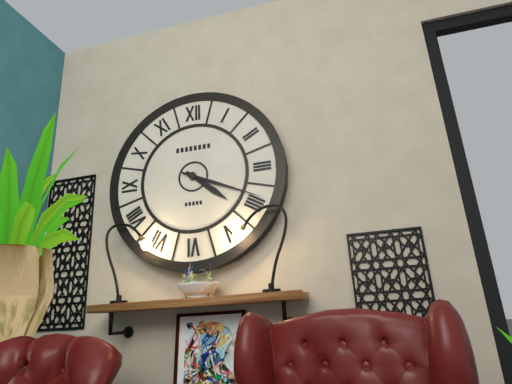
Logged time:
4h19
